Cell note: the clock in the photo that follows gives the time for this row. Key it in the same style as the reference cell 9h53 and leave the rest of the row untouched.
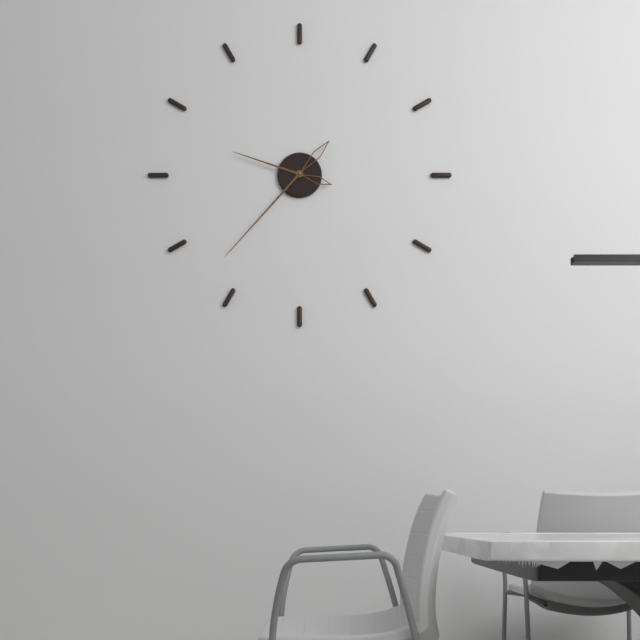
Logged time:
9h37
